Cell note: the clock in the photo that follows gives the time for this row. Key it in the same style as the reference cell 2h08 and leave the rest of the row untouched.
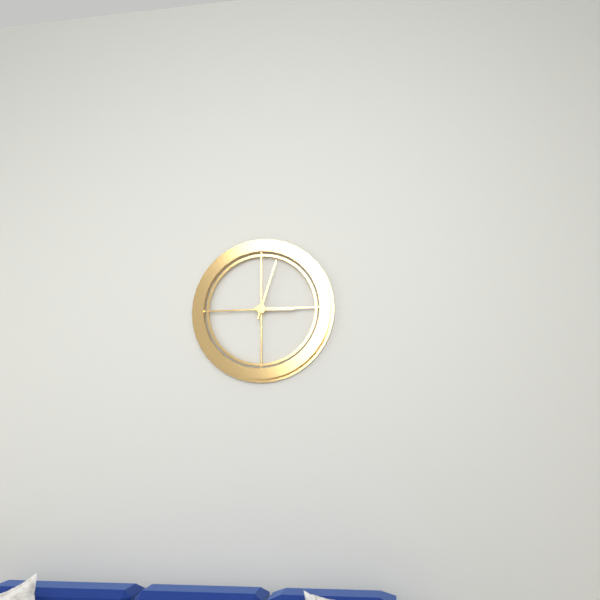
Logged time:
3h03
